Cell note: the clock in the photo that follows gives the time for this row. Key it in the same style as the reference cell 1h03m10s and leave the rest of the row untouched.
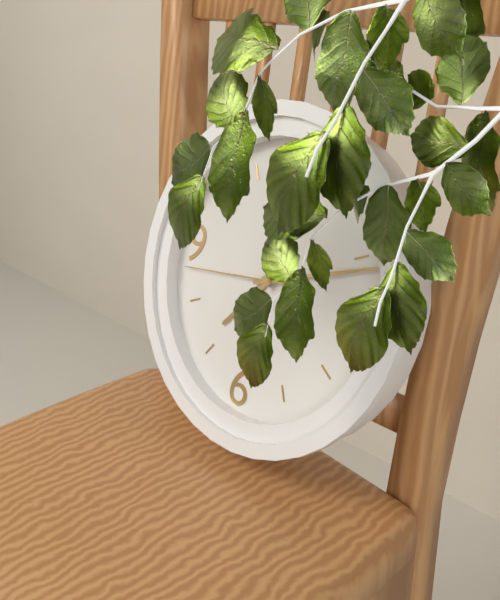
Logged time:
7h11m43s
